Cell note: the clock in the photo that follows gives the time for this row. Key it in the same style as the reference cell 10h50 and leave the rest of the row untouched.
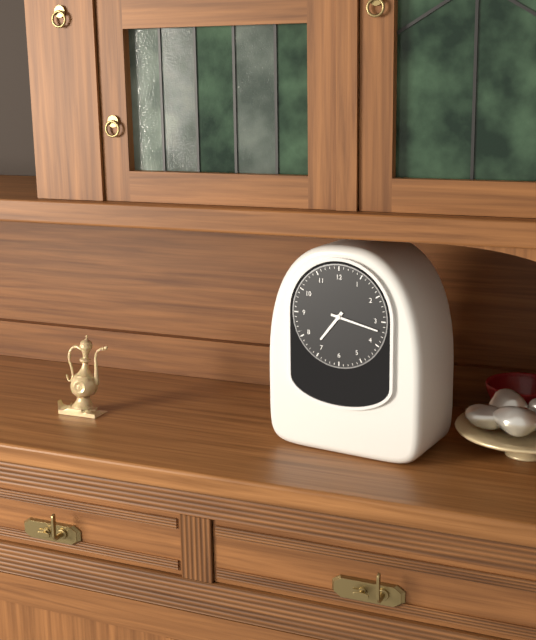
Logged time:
7h17
